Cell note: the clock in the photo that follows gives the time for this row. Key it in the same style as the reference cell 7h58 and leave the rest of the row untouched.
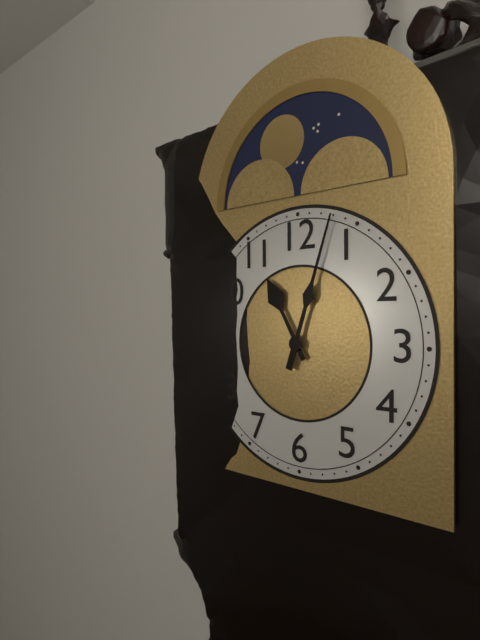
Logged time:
11h03
